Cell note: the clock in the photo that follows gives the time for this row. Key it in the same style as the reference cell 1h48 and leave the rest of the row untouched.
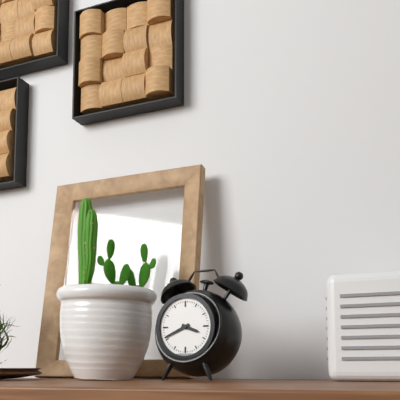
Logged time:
3h41
